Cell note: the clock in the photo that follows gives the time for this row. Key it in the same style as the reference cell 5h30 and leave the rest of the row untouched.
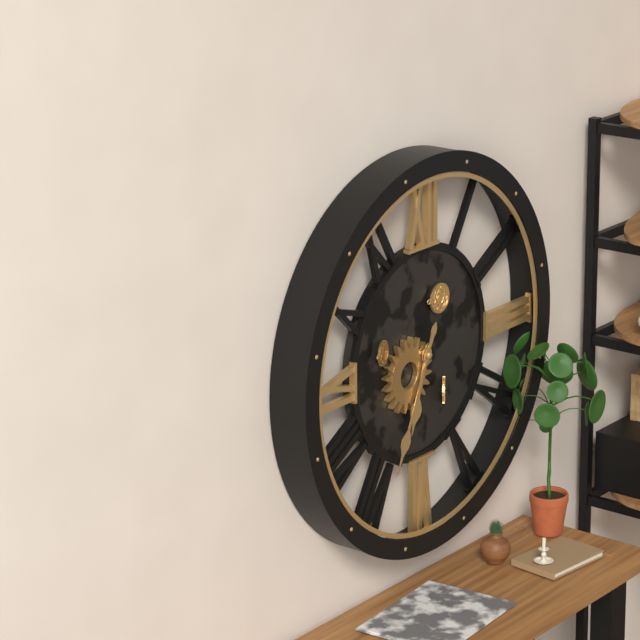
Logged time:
6h34
